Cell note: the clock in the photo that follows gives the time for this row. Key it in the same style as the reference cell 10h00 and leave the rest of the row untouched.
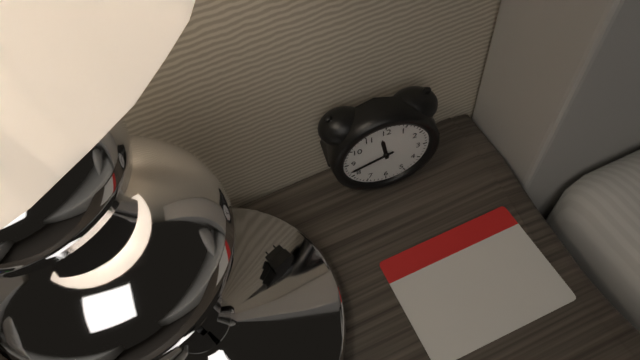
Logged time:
11h42
